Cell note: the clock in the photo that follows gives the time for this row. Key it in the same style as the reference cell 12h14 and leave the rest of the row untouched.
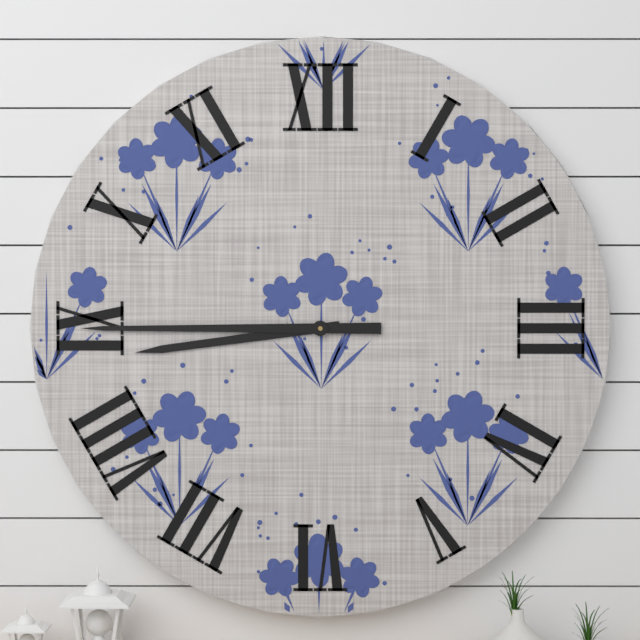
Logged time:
8h45
